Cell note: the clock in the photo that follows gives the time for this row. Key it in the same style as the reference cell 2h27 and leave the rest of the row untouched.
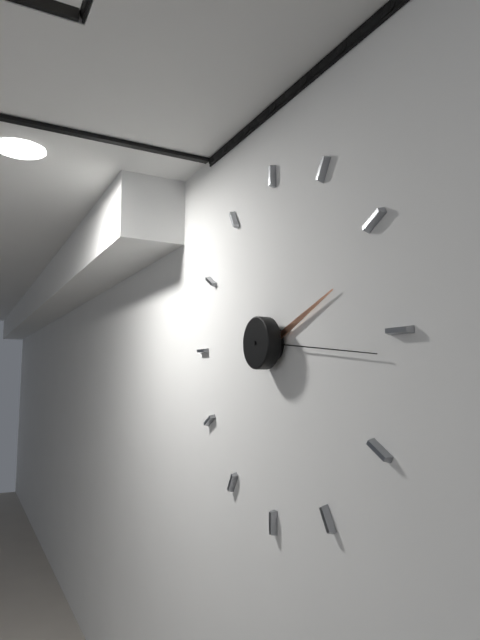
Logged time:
2h16
